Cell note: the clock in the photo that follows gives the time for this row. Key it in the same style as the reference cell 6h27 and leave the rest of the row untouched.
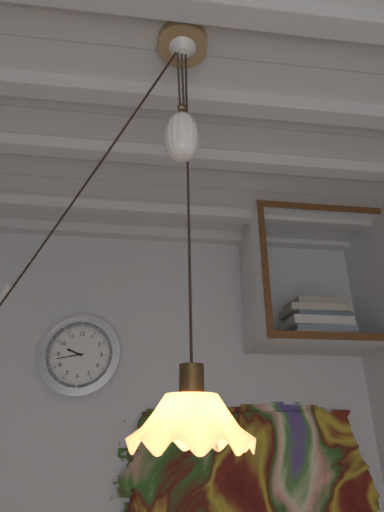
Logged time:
9h43
